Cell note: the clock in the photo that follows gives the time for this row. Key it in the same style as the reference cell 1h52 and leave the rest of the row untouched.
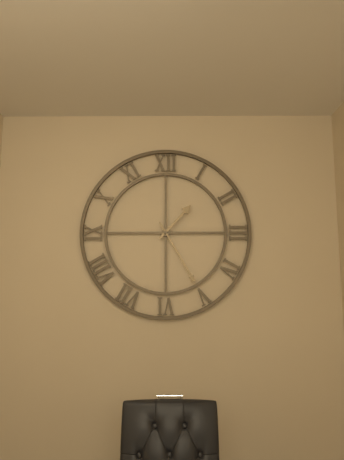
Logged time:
1h25
